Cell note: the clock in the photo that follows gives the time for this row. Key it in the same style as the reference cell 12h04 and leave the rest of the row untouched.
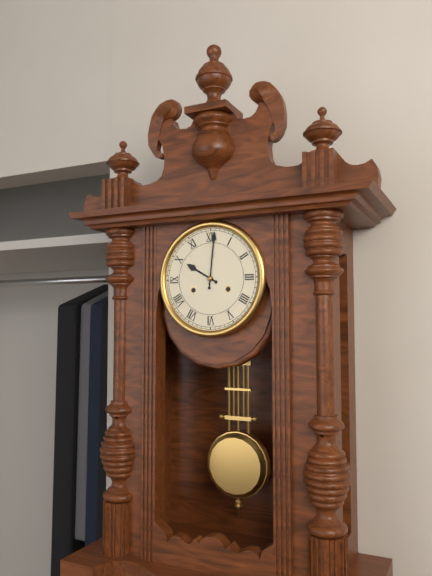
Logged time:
10h01
